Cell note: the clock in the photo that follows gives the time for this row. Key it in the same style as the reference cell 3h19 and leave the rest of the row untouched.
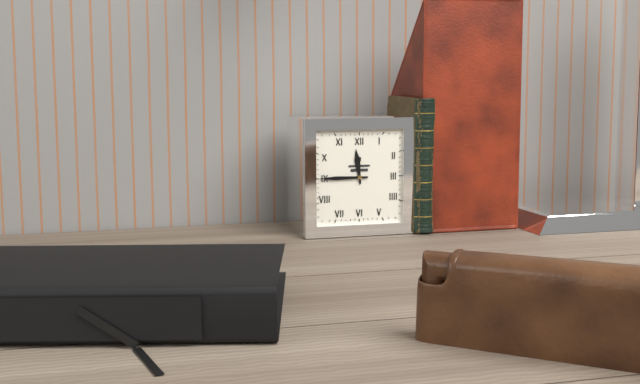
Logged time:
11h45
